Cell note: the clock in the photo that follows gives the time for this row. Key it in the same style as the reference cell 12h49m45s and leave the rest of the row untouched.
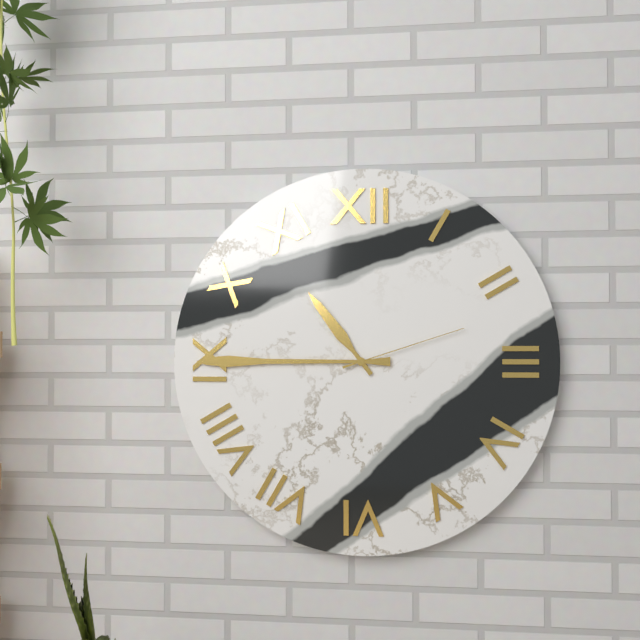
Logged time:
10h45m12s
